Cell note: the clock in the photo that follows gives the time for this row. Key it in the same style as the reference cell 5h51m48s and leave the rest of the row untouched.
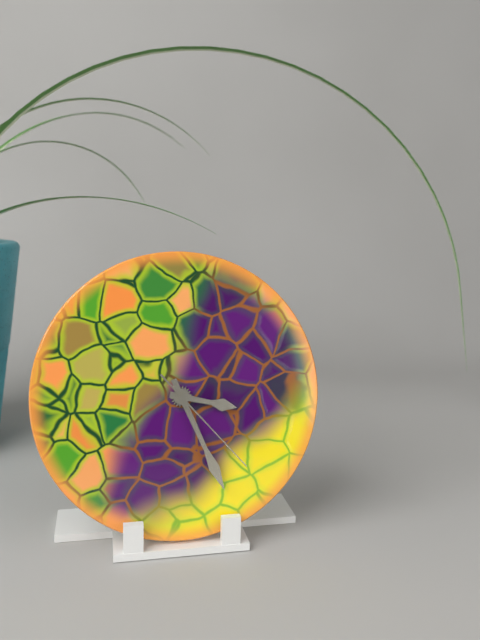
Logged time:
3h26m23s
